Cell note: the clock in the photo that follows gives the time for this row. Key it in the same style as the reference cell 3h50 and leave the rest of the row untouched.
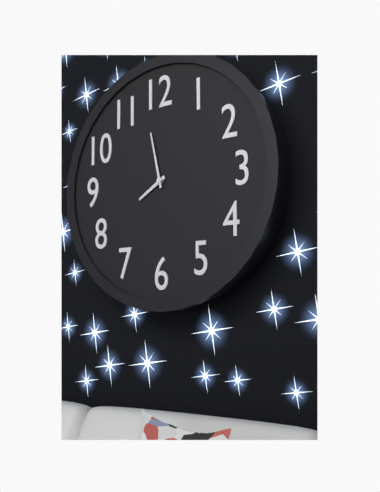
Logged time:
7h58
